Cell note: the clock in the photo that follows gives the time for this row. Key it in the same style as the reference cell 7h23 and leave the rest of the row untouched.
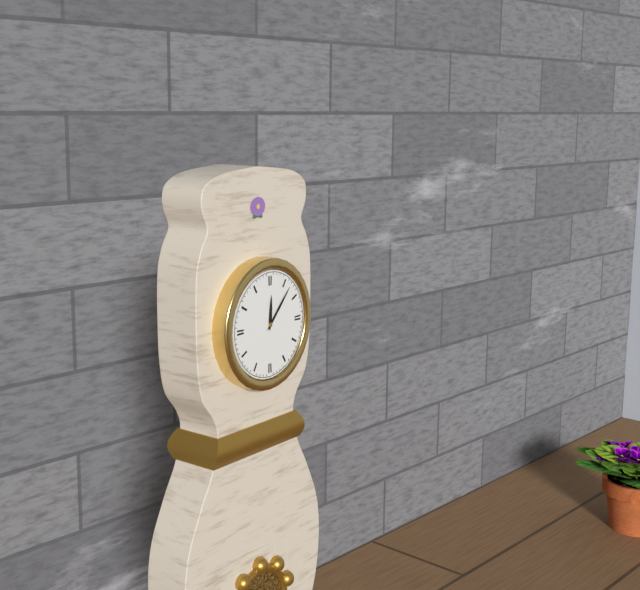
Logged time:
12h07
